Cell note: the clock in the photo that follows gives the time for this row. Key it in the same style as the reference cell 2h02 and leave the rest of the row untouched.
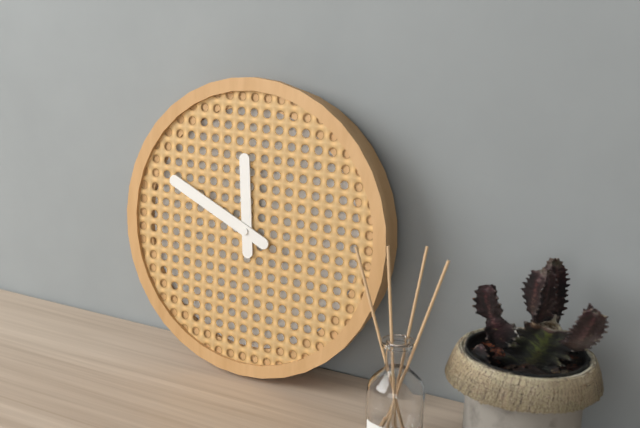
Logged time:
11h49
